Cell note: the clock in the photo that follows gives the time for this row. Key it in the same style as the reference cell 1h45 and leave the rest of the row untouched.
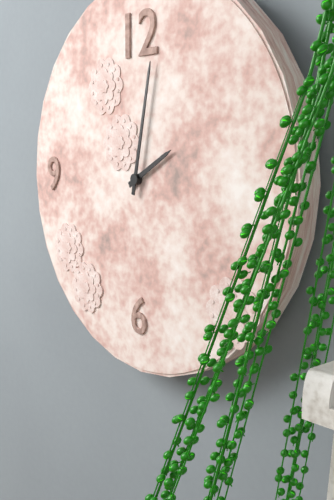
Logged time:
2h02
